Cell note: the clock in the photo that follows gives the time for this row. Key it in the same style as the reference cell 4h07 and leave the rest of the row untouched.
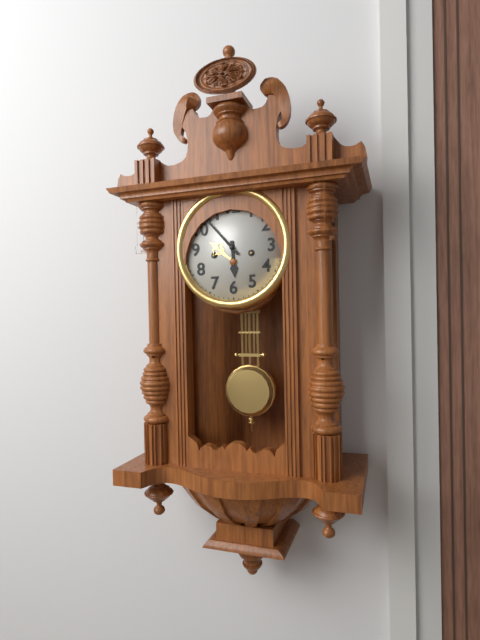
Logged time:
5h53
